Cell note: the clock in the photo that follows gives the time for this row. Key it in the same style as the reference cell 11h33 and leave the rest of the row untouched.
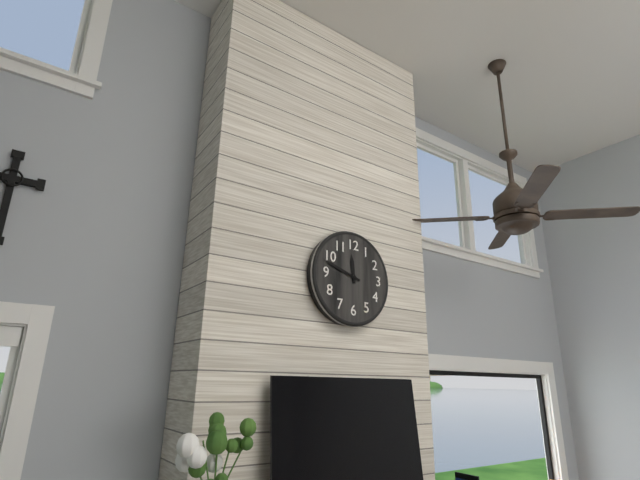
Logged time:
11h48
